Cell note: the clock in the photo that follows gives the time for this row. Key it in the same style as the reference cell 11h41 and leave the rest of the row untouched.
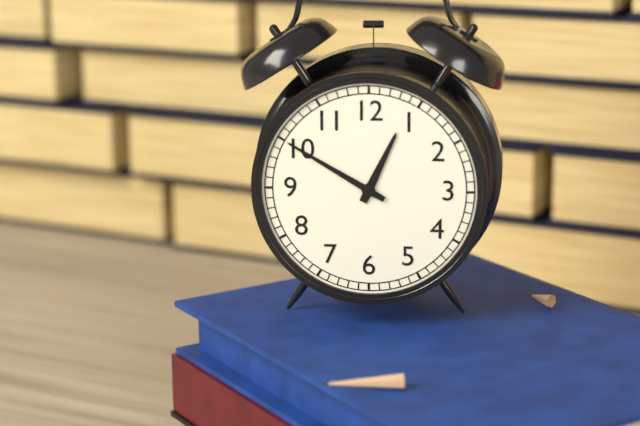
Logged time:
12h50
